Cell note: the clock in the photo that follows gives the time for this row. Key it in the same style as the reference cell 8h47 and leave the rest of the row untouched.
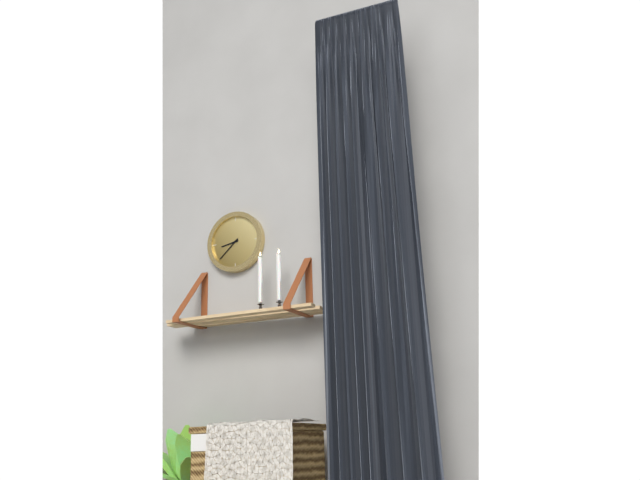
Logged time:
8h38
